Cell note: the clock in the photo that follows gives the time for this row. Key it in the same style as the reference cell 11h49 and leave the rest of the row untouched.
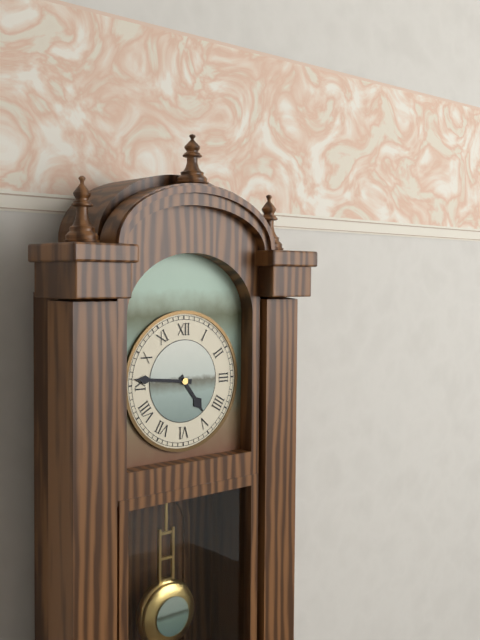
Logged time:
4h46
